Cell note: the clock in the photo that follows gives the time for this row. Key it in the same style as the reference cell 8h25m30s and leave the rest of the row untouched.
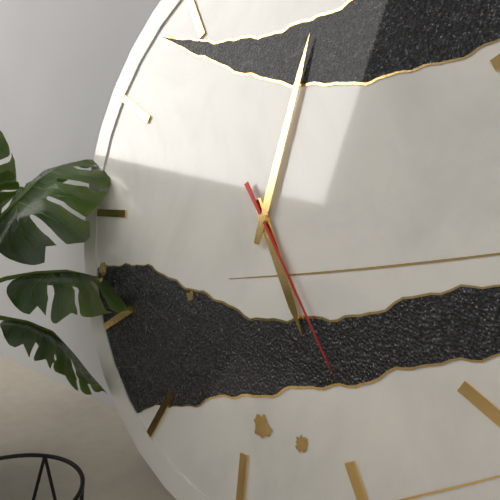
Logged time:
5h02m24s
